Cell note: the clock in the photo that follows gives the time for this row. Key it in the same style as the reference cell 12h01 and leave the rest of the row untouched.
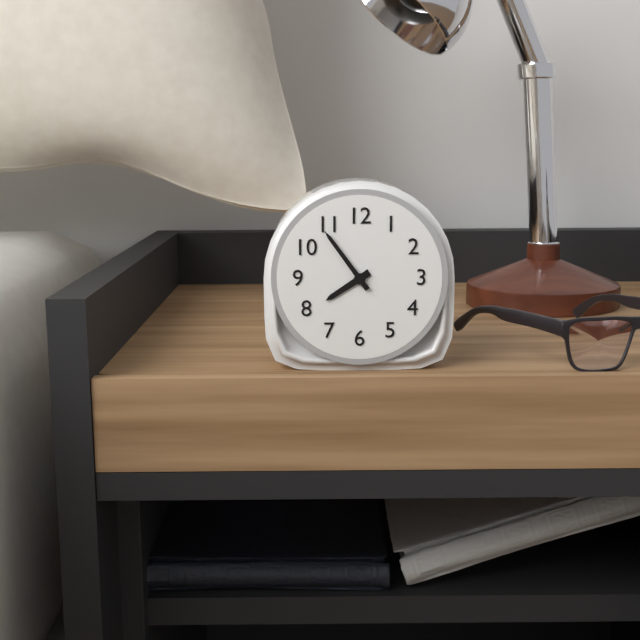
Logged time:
7h54
